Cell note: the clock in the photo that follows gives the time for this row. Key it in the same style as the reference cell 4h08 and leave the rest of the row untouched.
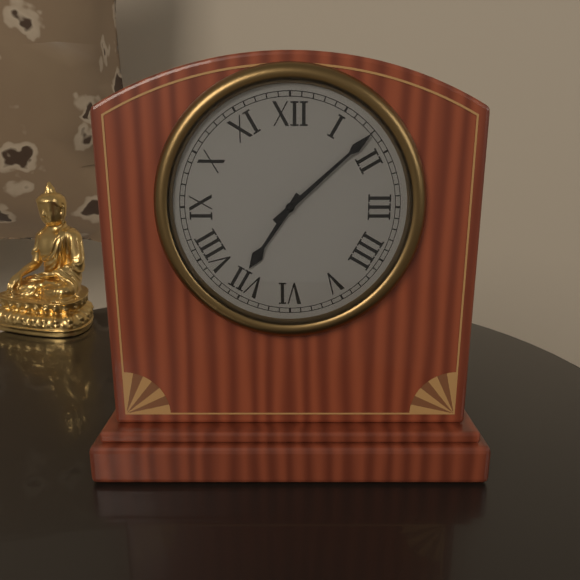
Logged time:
7h08
